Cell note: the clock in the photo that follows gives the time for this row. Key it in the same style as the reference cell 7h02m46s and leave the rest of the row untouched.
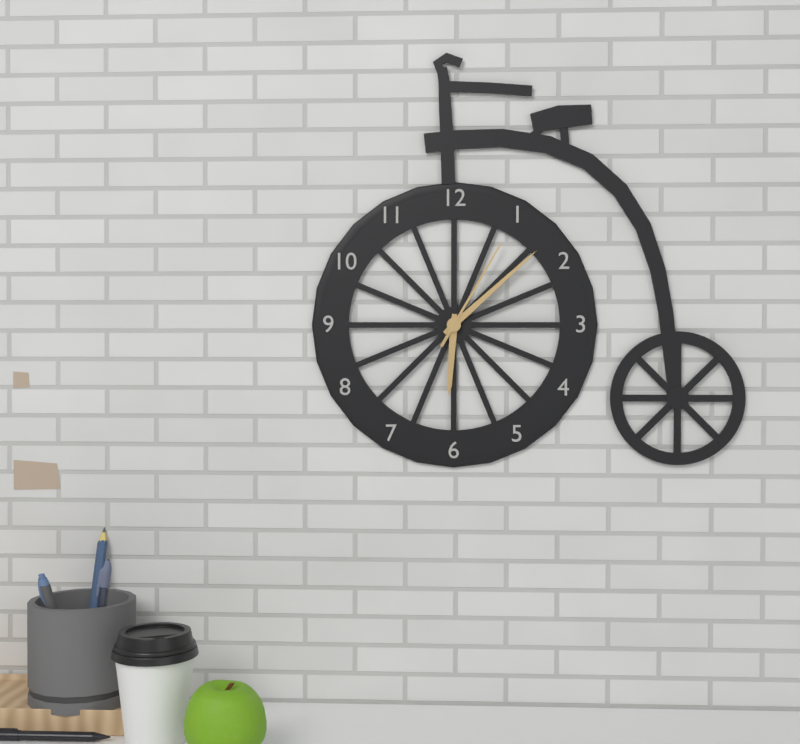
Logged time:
6h08m05s
